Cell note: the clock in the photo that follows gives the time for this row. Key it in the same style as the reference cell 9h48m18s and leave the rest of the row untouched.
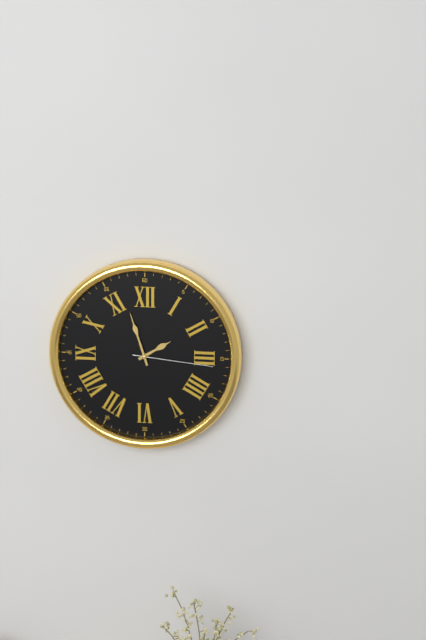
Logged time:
1h57m16s
